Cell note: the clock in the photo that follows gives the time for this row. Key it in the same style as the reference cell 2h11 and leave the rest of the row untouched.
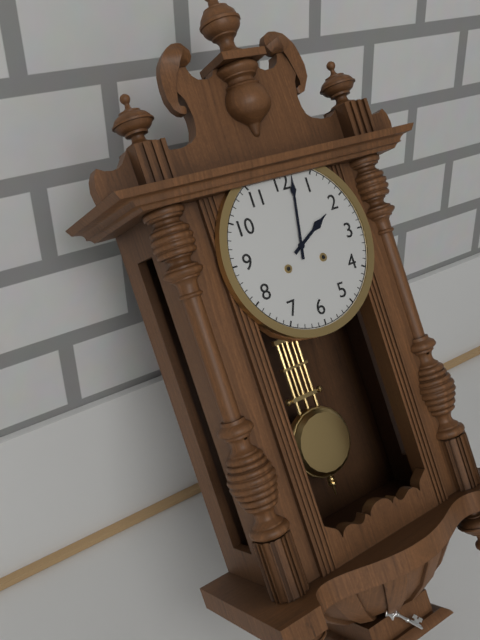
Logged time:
2h02
